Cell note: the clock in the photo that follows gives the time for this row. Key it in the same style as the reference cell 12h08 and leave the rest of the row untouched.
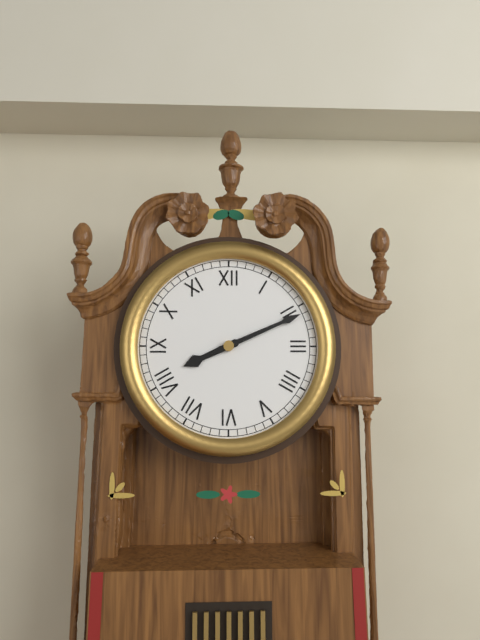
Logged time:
8h11
